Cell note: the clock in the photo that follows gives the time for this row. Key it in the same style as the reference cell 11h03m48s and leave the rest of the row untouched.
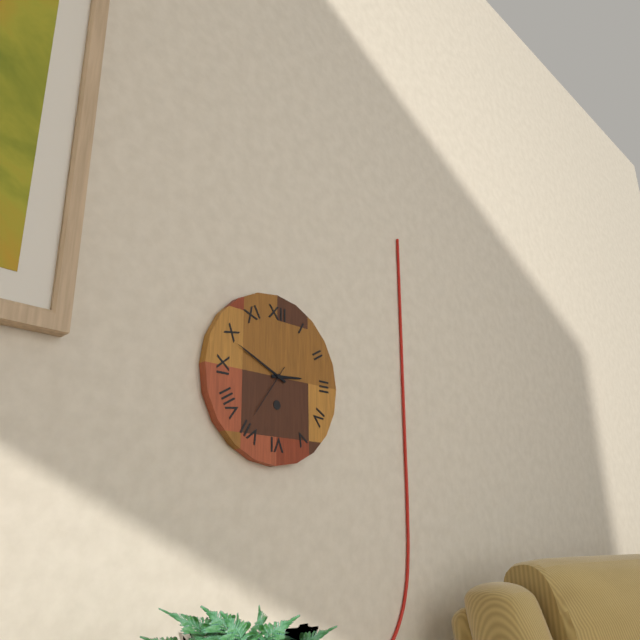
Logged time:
2h49m36s
